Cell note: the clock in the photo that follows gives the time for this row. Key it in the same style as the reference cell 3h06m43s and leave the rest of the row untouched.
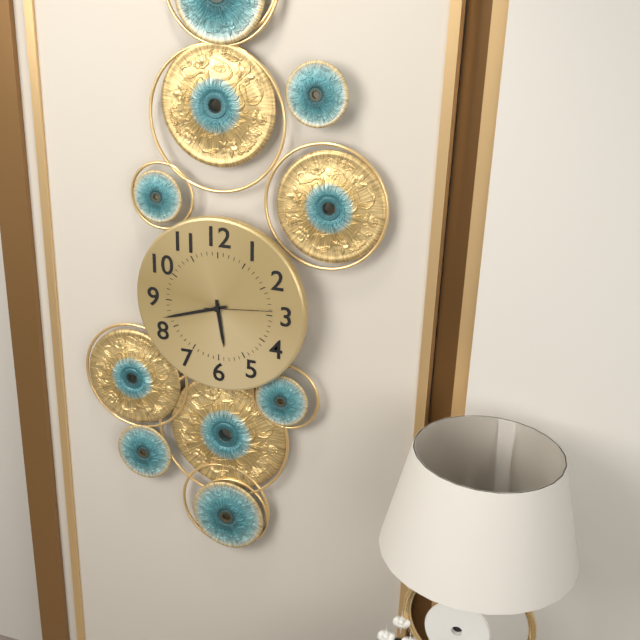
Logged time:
5h42m14s
